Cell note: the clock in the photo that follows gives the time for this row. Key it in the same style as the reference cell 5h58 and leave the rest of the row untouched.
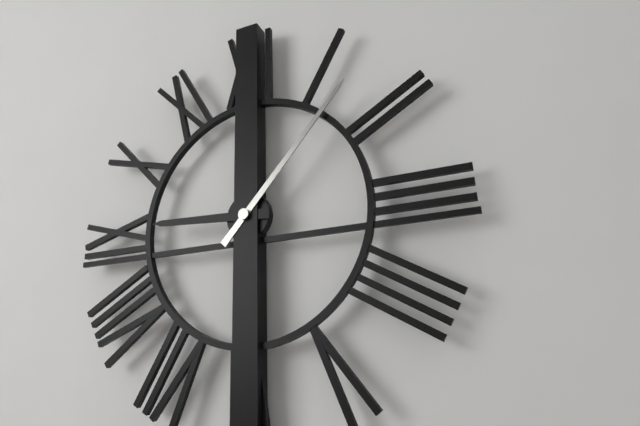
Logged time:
9h07
